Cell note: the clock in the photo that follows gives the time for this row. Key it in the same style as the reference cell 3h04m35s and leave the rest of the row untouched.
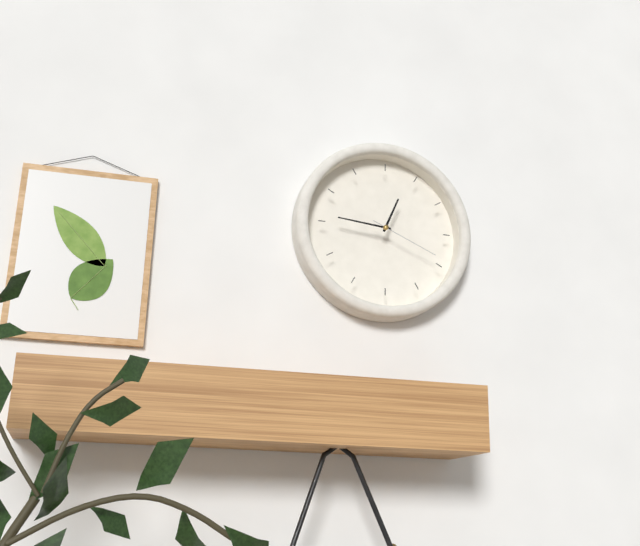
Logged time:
12h46m19s
